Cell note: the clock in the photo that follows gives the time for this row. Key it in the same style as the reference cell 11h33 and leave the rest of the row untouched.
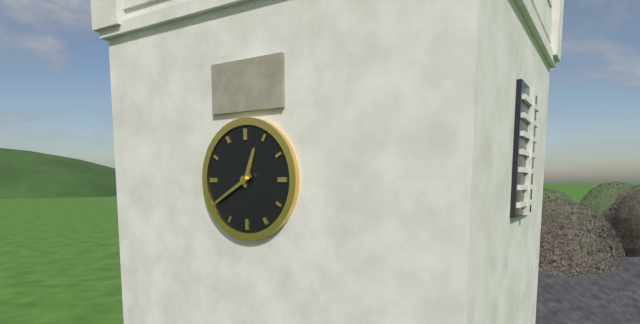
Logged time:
12h40
